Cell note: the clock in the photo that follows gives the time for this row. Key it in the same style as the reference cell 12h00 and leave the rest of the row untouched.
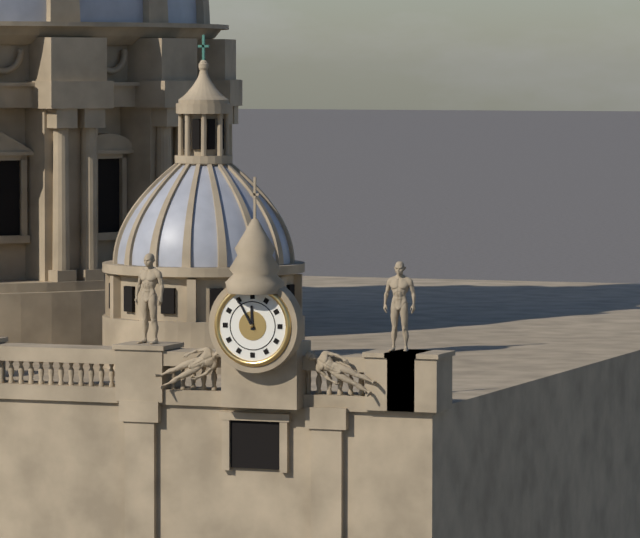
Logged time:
11h55
